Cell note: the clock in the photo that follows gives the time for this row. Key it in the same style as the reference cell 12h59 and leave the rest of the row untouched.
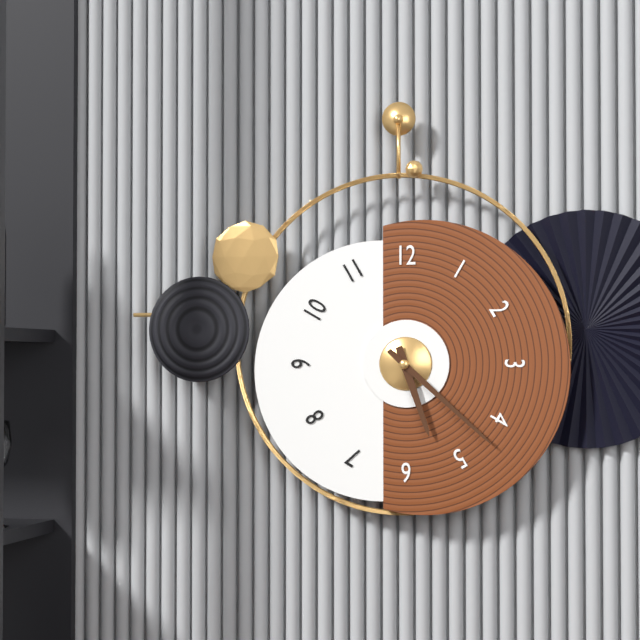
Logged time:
5h22
